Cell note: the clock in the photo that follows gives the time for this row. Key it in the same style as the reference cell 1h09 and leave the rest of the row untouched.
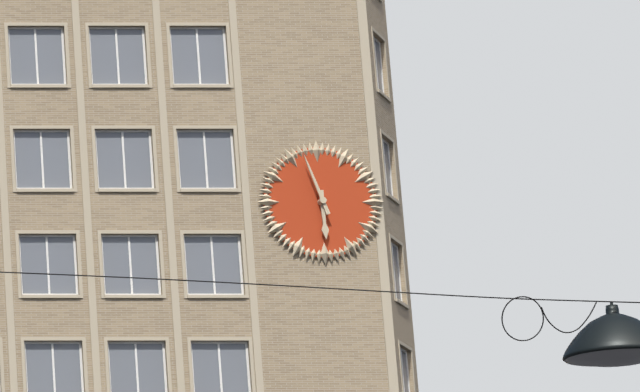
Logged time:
5h57
